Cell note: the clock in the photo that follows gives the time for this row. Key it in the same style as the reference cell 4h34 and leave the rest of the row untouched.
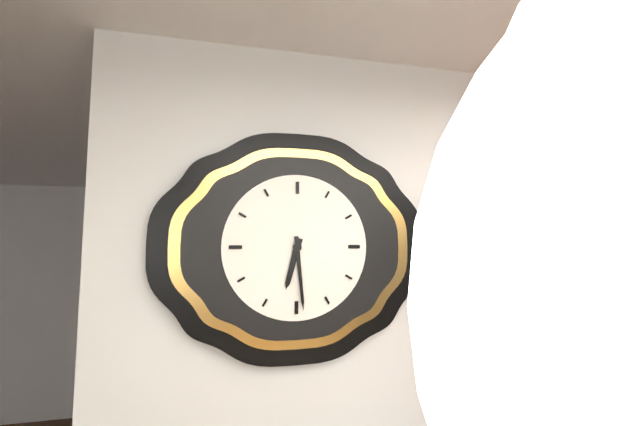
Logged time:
6h29
